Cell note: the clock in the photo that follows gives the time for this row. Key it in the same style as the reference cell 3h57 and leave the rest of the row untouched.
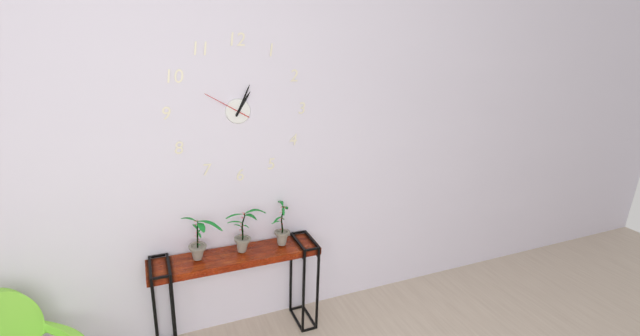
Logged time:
1h04
